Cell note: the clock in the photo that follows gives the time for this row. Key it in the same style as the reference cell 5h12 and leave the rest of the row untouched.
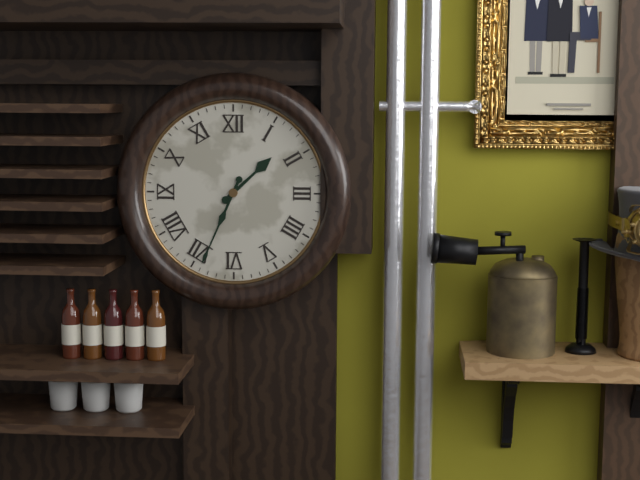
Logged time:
1h34
